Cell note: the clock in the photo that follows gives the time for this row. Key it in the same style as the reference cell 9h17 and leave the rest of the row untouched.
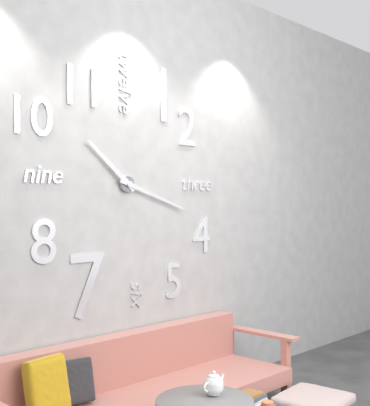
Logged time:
10h18
